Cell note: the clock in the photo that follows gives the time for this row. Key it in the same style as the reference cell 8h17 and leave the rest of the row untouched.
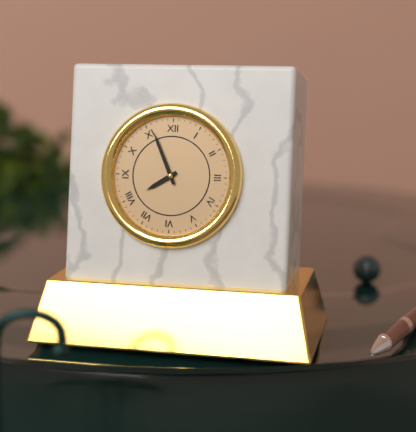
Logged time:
7h56
